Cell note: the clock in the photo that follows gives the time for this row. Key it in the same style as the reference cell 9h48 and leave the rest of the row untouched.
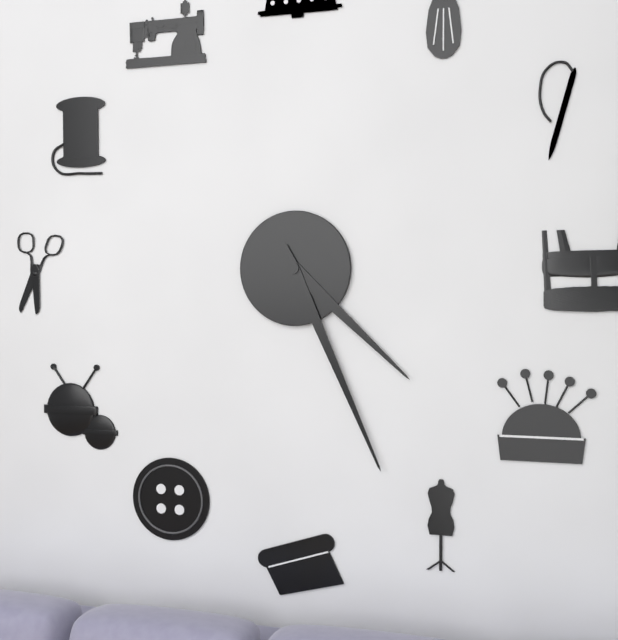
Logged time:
4h26
